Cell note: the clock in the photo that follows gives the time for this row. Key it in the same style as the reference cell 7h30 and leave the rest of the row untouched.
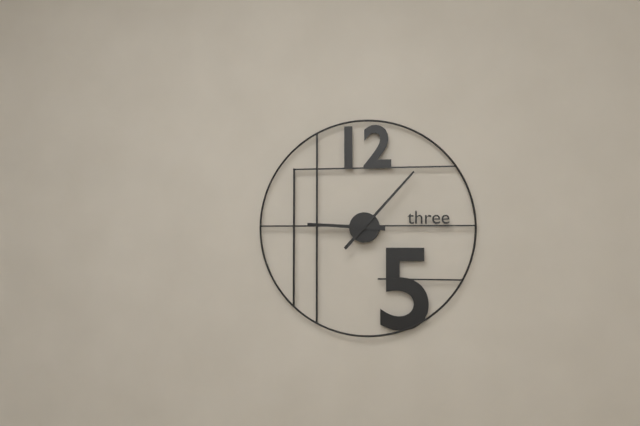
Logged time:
9h07
